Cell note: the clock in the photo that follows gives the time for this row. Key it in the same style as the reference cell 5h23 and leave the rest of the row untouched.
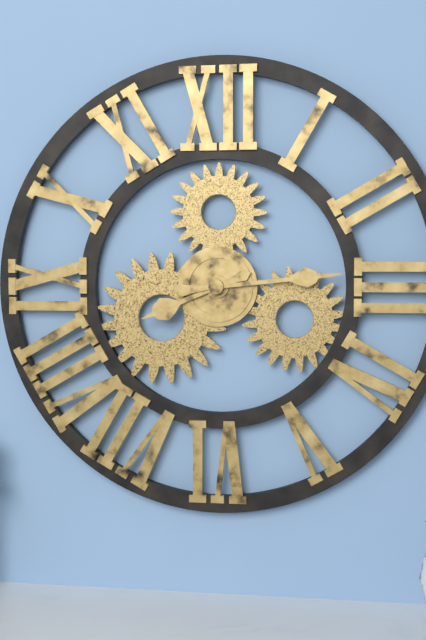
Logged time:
8h14
